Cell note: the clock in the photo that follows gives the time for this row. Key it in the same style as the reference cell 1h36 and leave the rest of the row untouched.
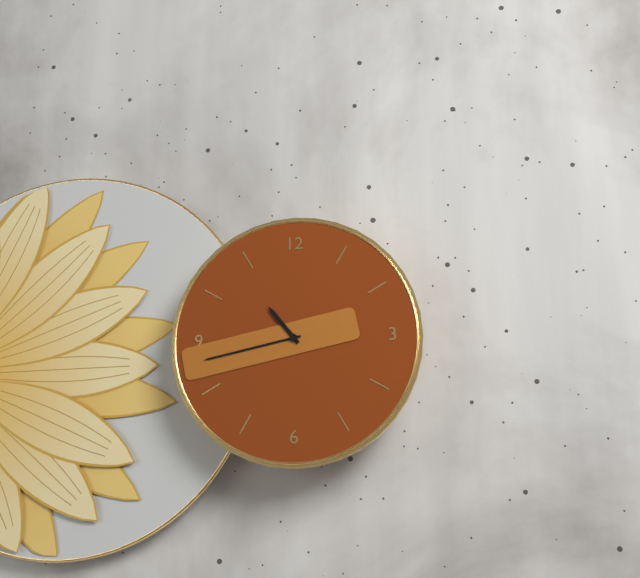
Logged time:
10h43
